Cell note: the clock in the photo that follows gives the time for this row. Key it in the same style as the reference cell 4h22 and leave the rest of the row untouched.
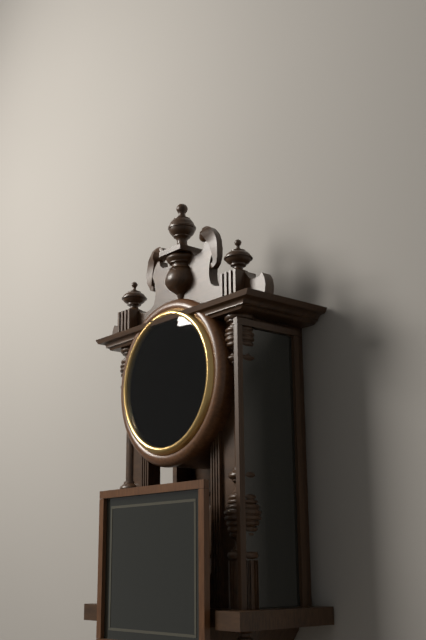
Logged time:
5h17
